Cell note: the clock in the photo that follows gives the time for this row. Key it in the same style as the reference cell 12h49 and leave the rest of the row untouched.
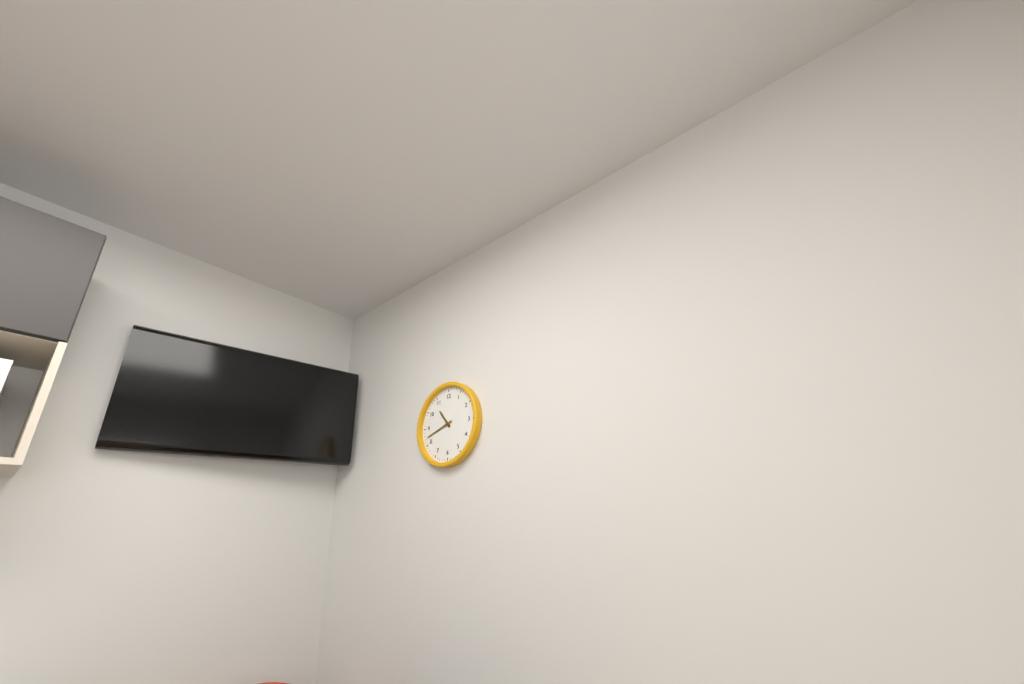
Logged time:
10h42
